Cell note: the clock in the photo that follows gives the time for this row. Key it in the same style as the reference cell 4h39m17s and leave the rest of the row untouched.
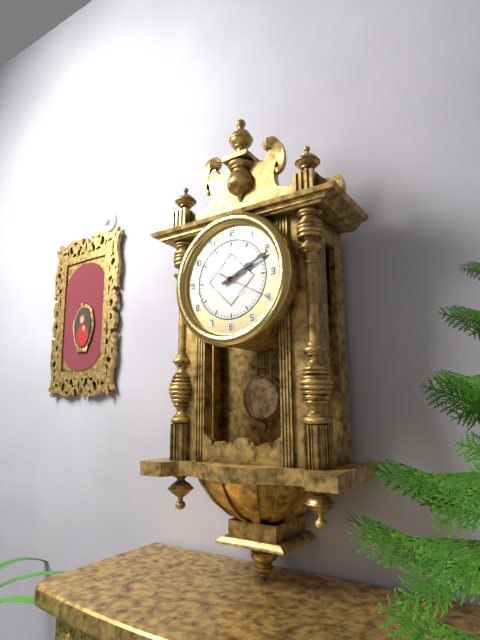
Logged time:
2h11m20s
